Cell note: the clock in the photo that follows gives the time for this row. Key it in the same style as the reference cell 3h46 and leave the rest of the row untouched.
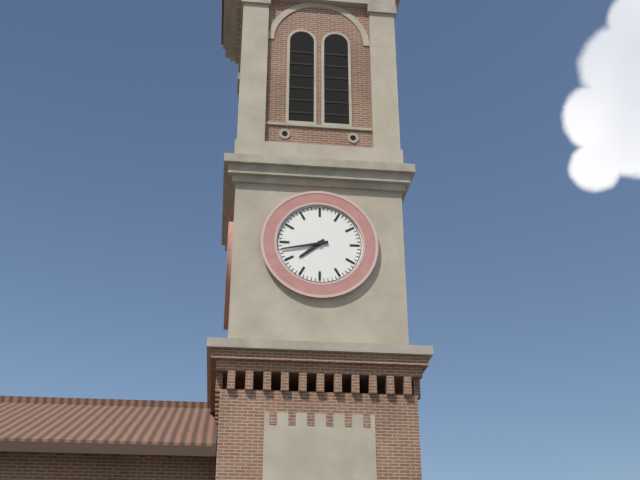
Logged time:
7h43
